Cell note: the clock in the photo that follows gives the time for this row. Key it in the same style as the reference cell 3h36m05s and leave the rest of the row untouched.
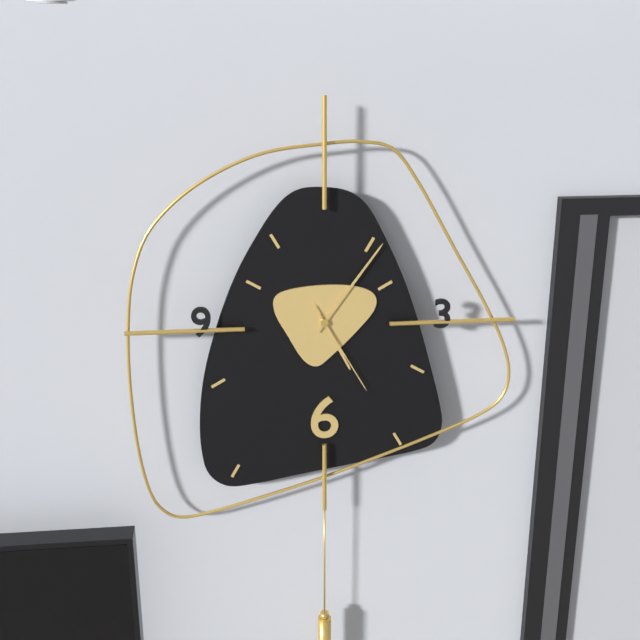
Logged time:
5h06m25s
